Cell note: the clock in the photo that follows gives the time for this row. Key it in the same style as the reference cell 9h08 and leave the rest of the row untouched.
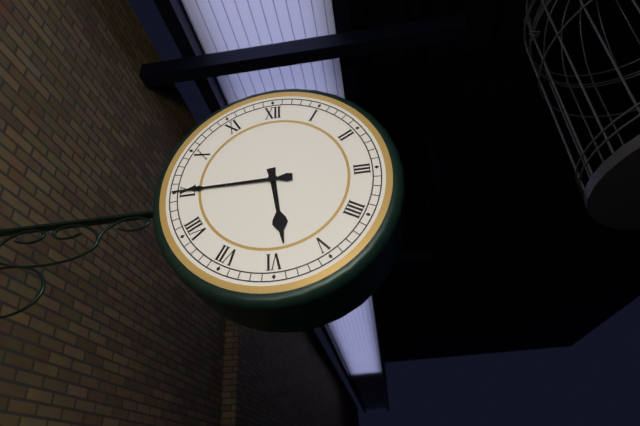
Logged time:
5h45
